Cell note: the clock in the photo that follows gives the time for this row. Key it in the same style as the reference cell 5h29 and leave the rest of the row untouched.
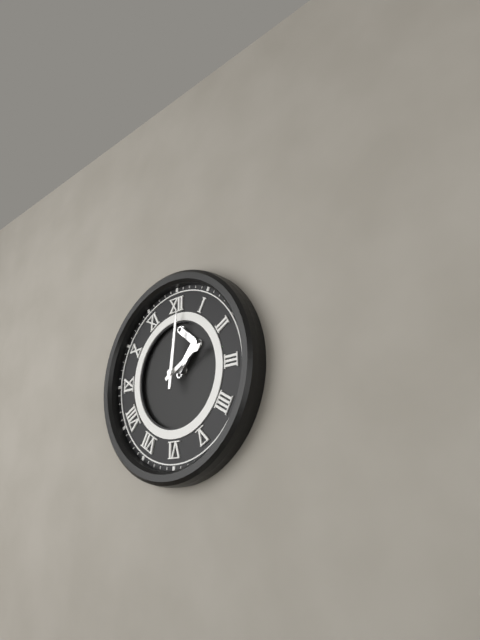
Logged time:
2h01
